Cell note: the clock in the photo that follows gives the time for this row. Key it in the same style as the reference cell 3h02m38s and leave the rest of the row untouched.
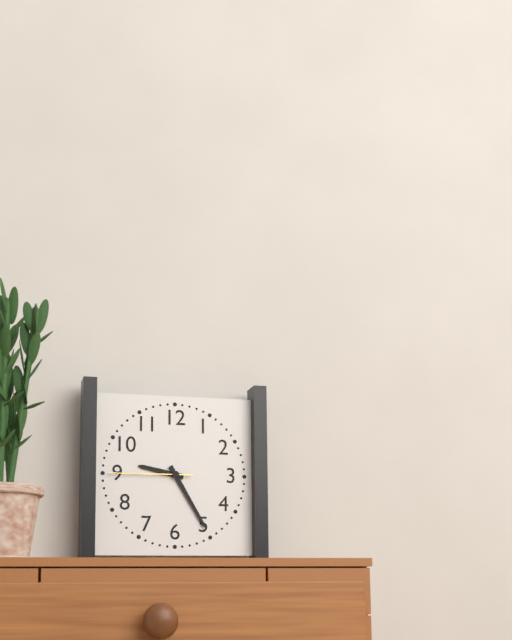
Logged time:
9h25m45s
